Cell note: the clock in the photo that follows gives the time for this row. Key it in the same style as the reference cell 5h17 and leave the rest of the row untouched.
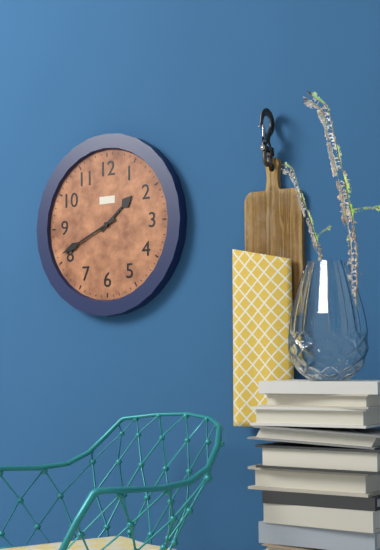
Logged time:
1h41
